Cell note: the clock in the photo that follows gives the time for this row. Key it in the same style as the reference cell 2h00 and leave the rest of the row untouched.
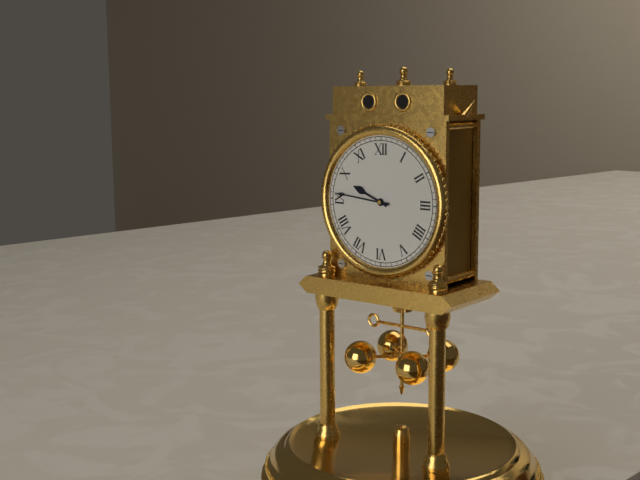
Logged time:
9h46
